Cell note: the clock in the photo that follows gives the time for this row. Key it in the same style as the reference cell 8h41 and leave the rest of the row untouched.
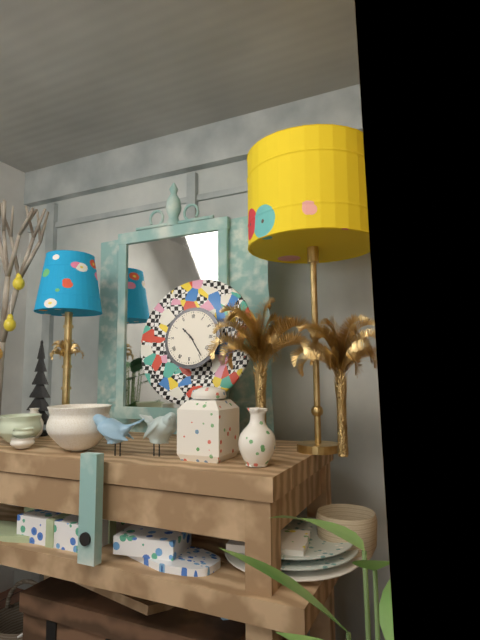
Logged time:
10h24
